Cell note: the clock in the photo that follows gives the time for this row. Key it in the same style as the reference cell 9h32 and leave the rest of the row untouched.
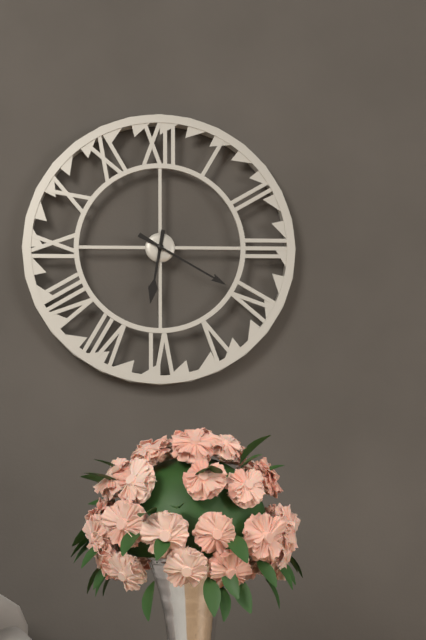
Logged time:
6h20
